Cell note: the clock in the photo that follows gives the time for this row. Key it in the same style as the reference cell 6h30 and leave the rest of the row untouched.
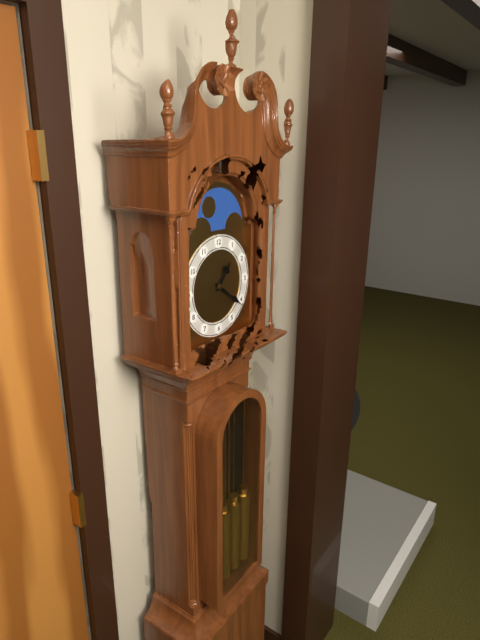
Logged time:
1h21
